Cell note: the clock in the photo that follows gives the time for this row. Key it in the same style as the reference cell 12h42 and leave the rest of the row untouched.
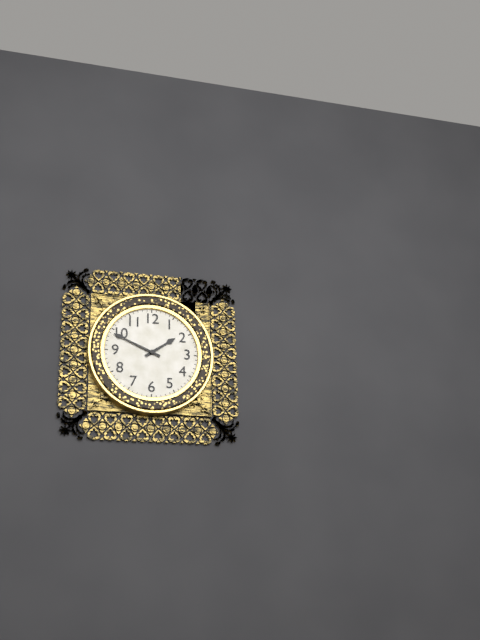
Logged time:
1h49
